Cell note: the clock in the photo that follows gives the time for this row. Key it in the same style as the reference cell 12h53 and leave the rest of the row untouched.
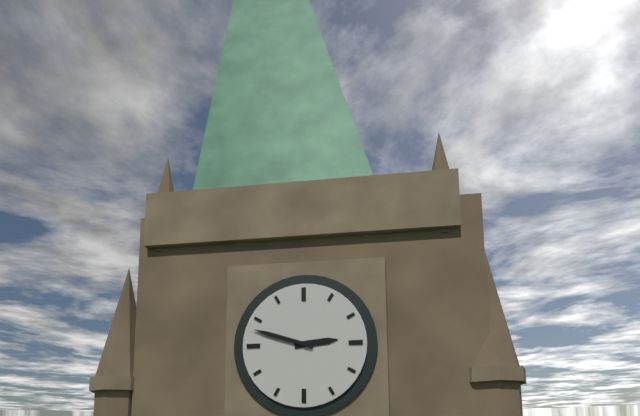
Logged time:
2h48
